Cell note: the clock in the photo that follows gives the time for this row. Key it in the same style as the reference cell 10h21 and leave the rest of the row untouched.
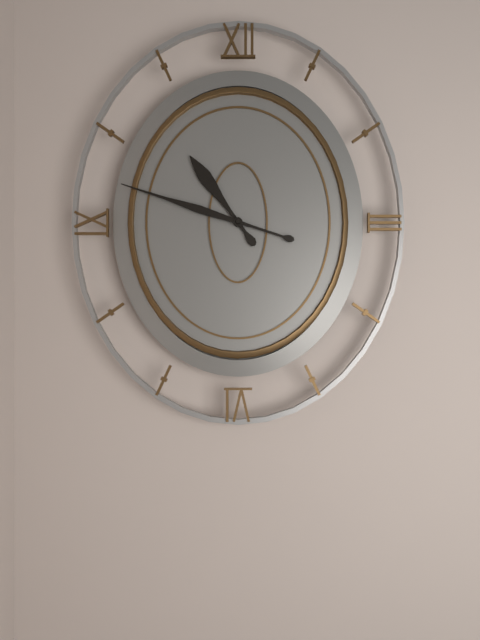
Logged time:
10h48
